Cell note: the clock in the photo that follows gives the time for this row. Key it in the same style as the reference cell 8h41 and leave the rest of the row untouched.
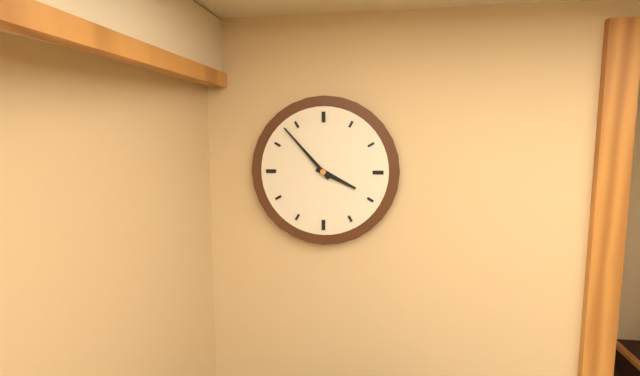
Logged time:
3h53
